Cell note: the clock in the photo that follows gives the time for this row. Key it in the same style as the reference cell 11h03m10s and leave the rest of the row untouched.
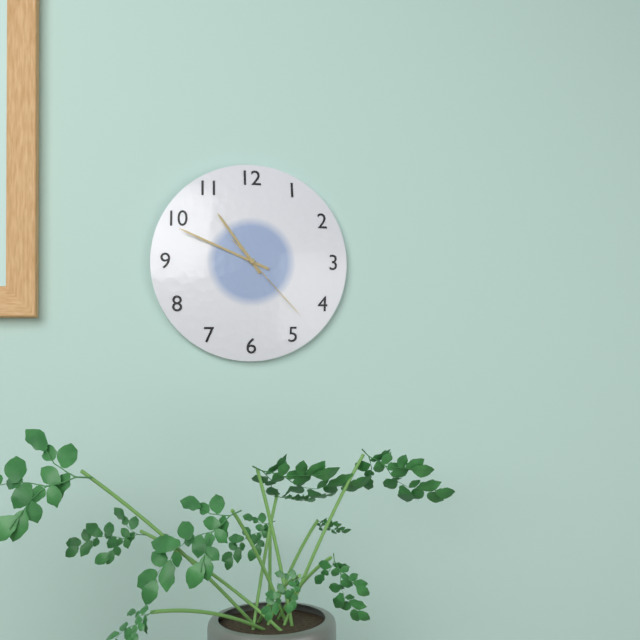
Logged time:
10h49m23s
